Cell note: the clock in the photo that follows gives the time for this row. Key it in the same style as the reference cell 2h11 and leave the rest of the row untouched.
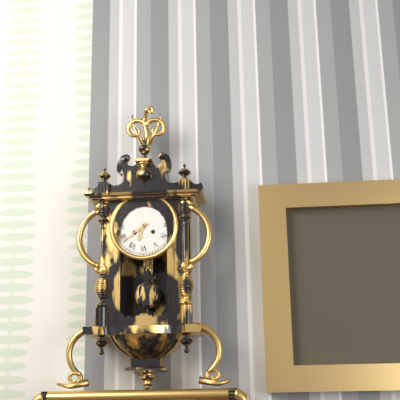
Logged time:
6h39
